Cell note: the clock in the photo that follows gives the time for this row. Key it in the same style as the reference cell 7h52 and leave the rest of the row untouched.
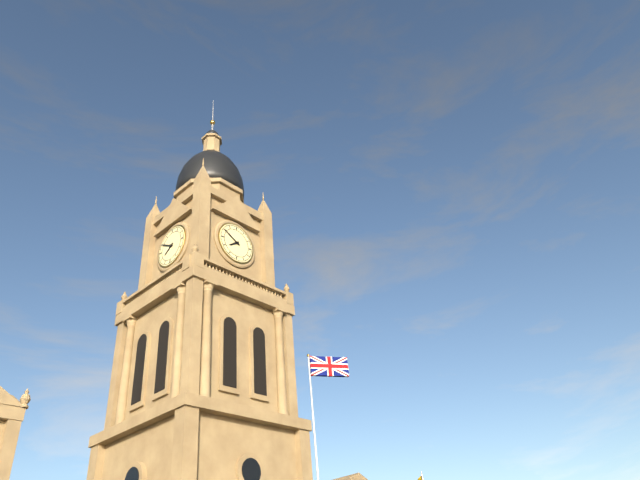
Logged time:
7h50
